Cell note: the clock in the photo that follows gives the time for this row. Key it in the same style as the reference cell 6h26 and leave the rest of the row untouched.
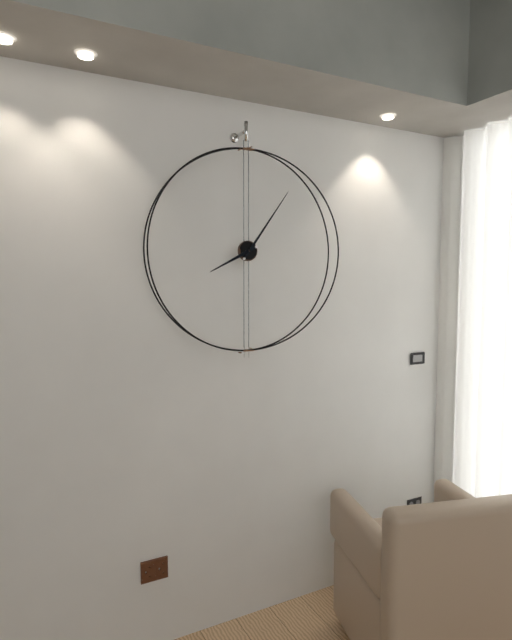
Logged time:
8h06
